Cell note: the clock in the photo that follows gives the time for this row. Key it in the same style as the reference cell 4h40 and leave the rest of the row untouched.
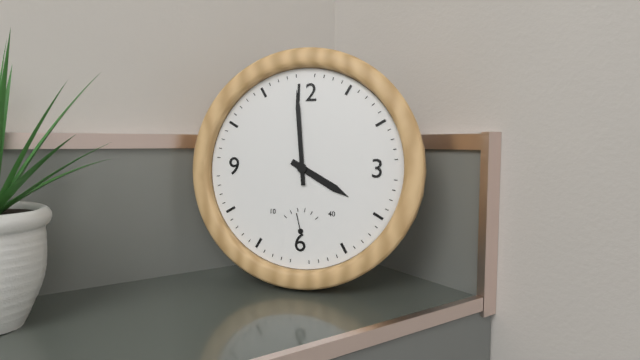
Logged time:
3h59
